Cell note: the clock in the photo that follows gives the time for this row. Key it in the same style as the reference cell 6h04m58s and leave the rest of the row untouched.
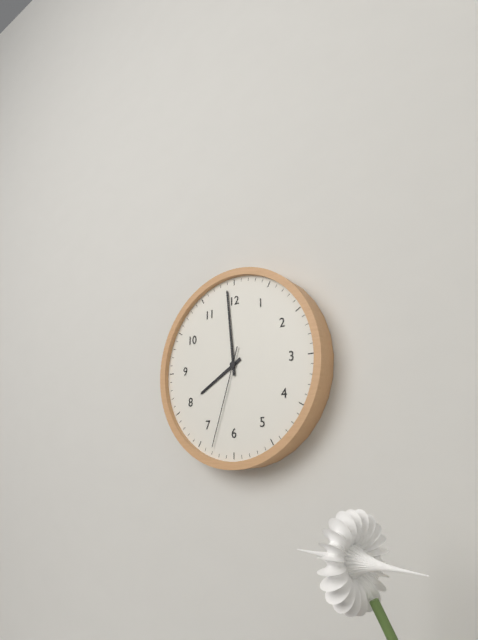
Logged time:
7h59m33s
